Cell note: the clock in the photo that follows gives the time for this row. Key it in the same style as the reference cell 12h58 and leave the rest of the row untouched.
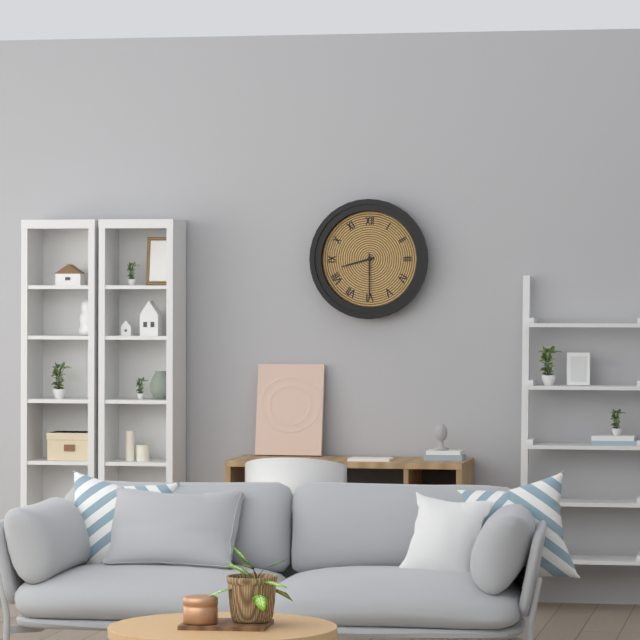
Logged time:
8h30
